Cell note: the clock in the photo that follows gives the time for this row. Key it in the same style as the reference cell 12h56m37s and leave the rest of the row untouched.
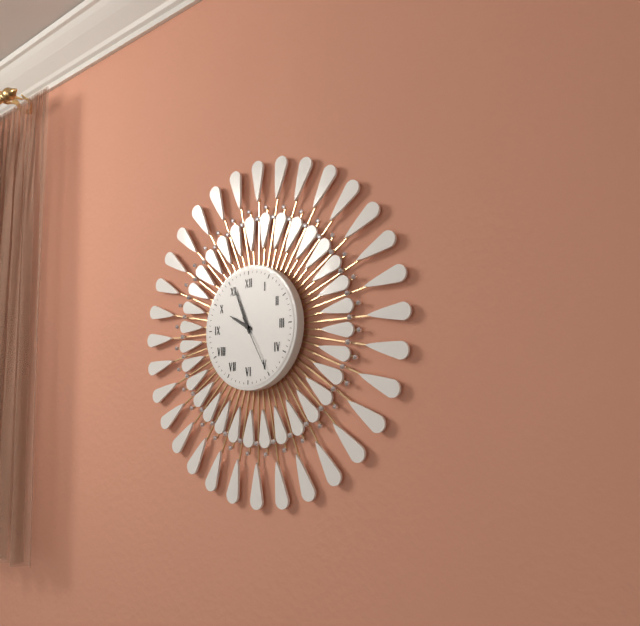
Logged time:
9h56m25s
